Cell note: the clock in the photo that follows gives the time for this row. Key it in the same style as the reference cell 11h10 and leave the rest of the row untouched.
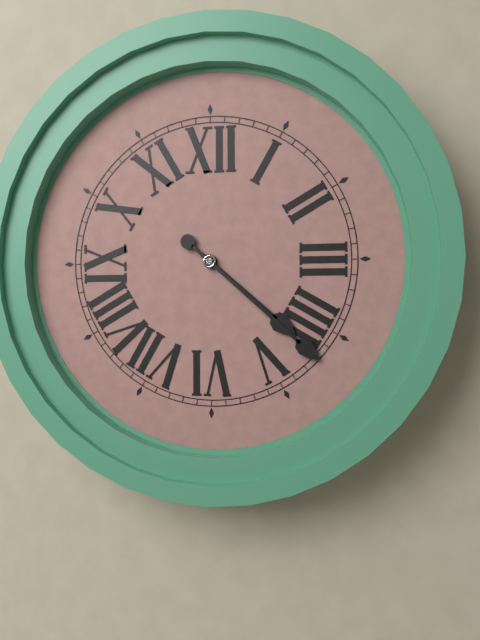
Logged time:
4h22
